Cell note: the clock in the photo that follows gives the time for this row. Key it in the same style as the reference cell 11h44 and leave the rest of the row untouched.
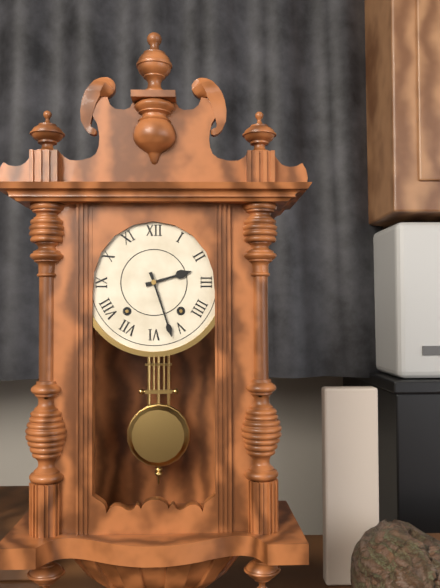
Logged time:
2h27
